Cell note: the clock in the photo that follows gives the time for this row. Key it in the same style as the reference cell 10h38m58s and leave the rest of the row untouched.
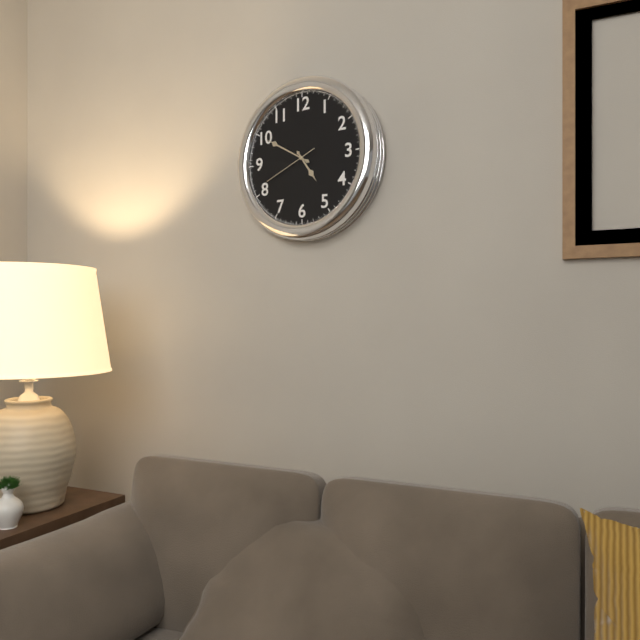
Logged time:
4h50m41s
